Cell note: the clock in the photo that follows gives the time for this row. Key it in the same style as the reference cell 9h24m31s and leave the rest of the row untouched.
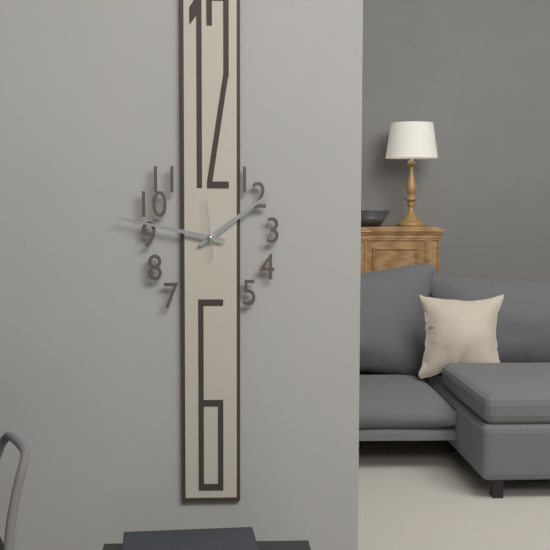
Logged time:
1h47m59s
